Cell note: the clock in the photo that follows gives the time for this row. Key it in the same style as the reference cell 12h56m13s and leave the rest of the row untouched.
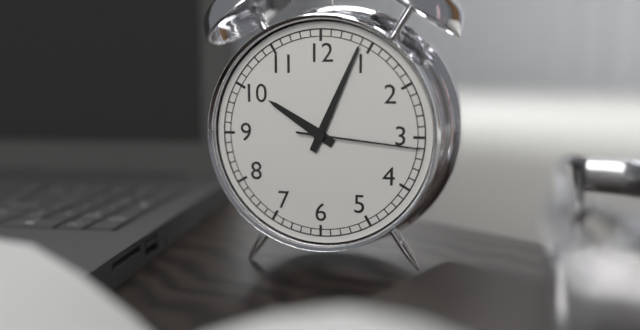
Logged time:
10h04m16s
